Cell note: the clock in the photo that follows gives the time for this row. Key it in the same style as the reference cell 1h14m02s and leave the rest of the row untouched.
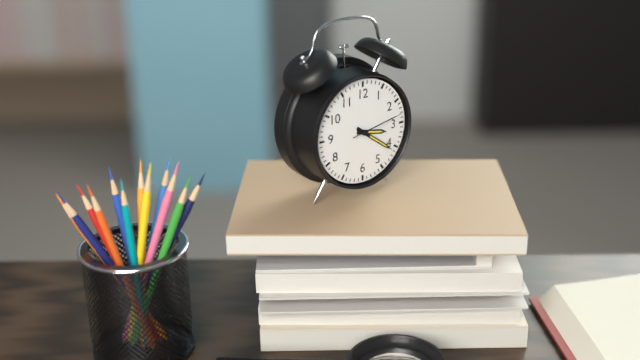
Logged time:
3h21m13s
